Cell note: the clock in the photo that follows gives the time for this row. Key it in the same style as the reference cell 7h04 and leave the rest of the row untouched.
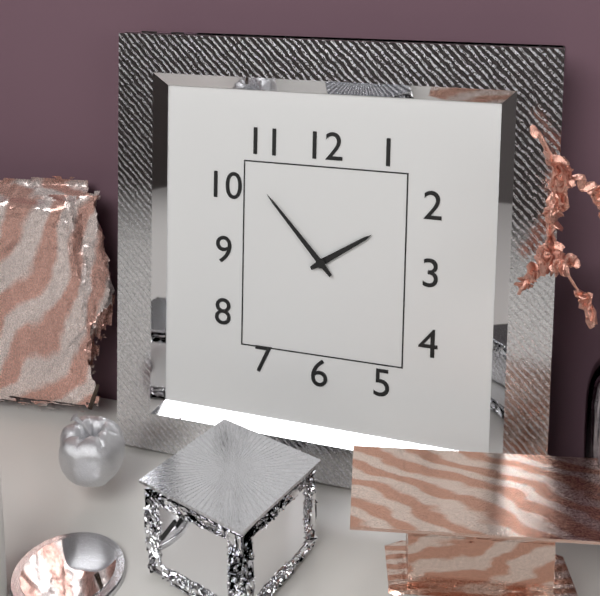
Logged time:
1h53
